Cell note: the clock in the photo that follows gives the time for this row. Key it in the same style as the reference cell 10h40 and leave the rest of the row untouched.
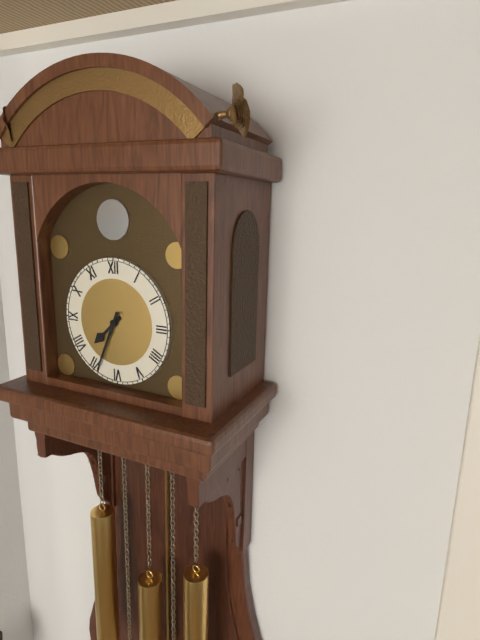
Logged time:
7h34
